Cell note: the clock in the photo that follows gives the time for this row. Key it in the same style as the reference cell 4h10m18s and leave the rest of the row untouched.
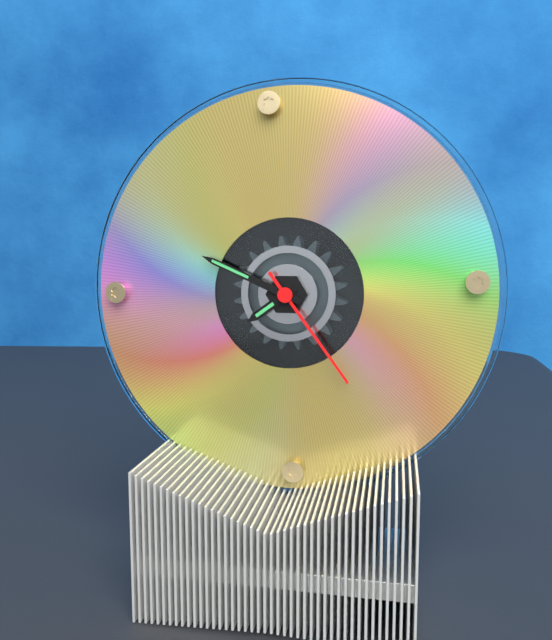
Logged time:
7h49m24s
